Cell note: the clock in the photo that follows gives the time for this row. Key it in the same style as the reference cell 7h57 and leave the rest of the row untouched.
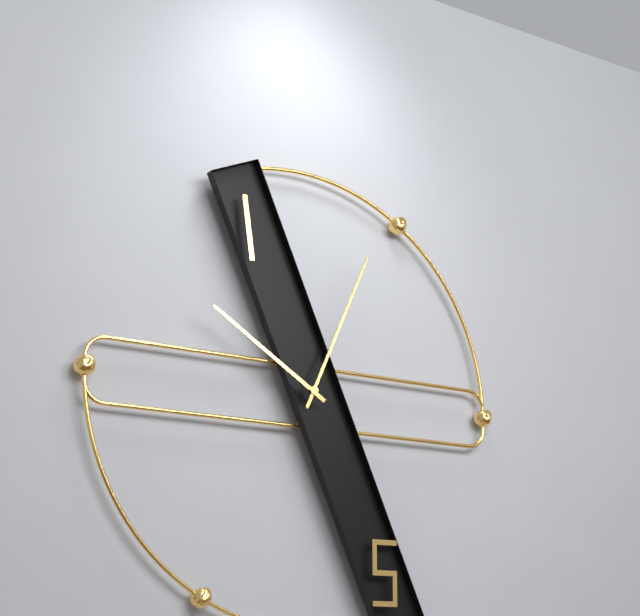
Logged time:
10h04
